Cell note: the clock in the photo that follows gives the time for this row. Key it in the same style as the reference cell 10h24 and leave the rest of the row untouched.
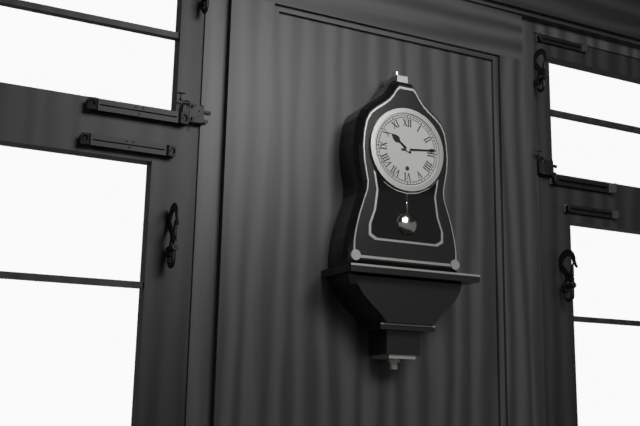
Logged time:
10h14
